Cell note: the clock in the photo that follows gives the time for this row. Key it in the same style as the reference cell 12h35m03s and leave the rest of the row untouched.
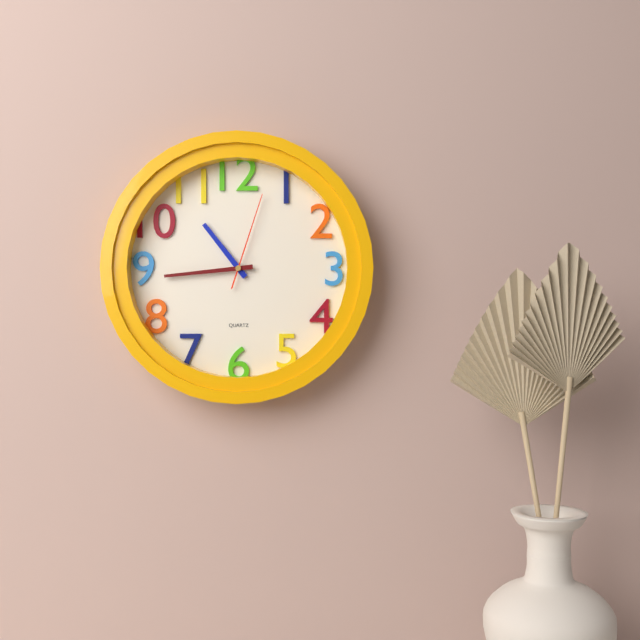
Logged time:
10h44m03s
